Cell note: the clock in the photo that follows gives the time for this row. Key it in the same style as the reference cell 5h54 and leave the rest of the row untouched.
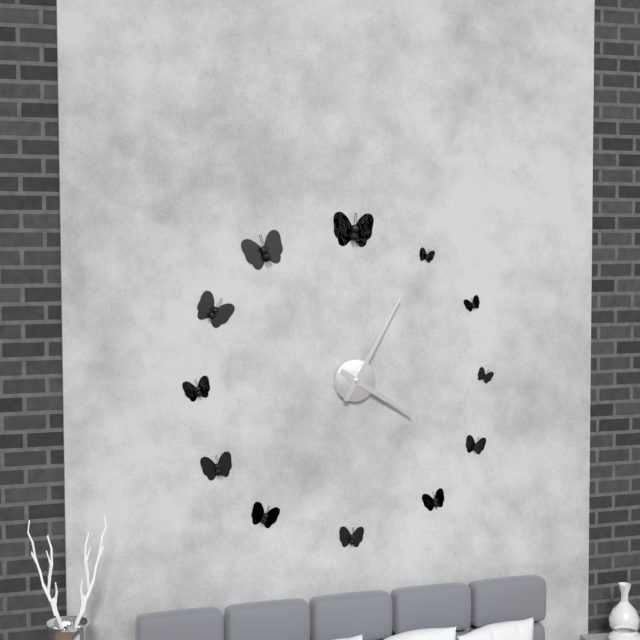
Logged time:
4h05
